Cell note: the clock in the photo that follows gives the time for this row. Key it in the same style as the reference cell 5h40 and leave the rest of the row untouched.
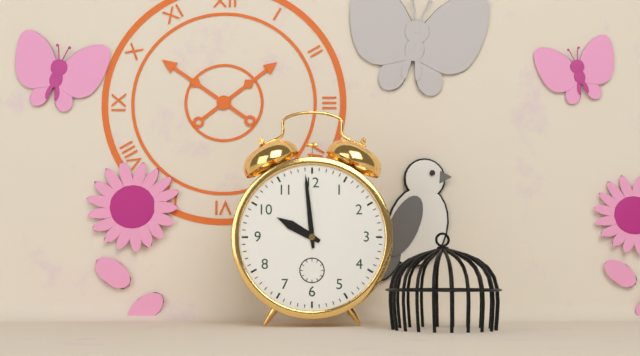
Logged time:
9h59
